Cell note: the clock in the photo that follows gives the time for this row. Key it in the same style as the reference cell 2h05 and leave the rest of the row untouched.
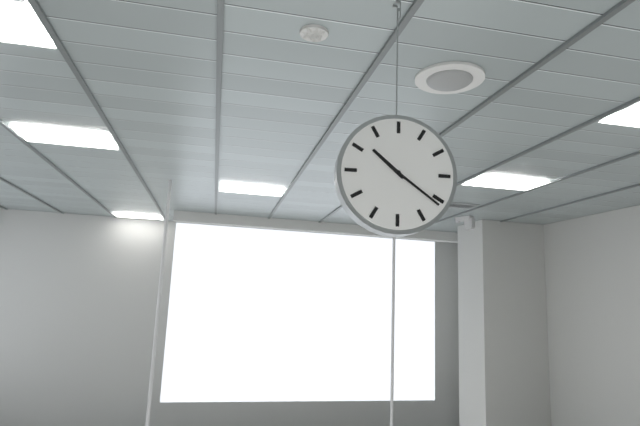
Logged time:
10h21
